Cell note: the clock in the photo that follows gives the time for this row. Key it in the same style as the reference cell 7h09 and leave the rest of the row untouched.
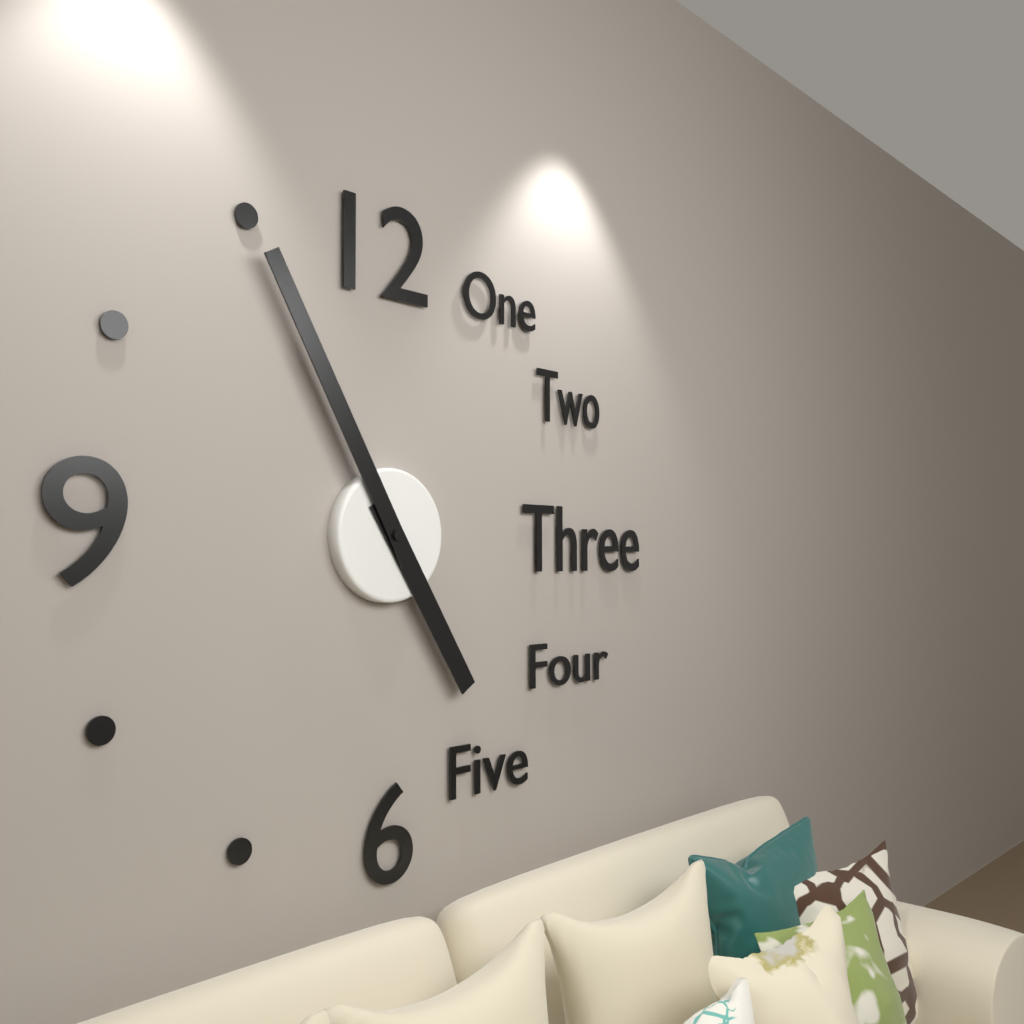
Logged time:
4h55
